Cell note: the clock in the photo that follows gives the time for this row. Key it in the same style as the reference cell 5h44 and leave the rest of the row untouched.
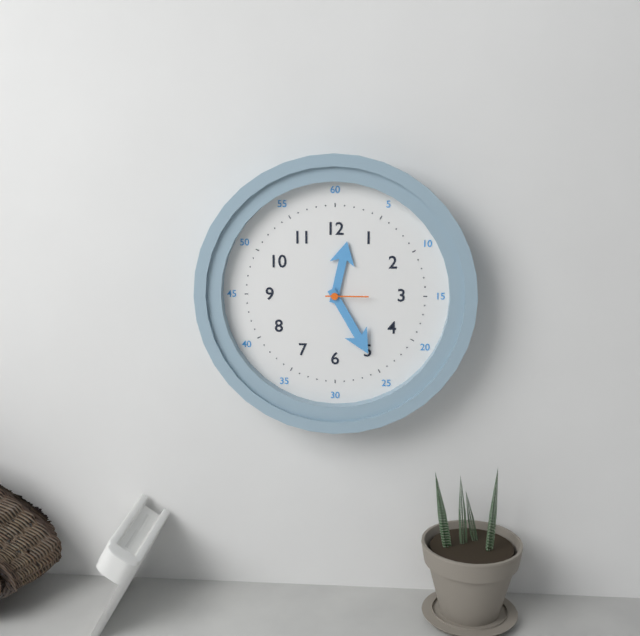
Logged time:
12h25
